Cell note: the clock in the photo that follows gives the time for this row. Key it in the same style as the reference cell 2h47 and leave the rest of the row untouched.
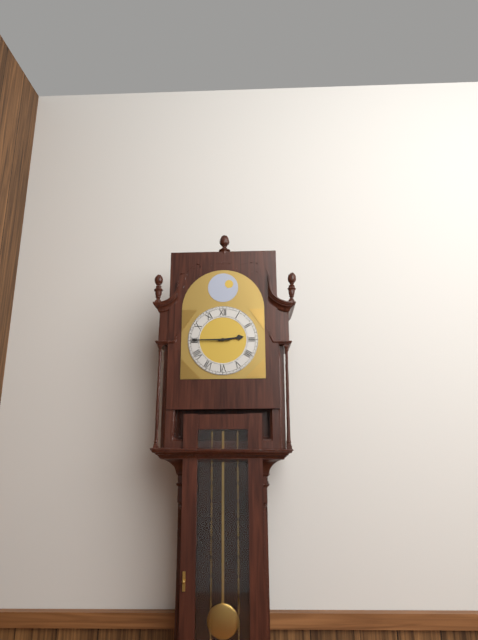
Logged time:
2h45
